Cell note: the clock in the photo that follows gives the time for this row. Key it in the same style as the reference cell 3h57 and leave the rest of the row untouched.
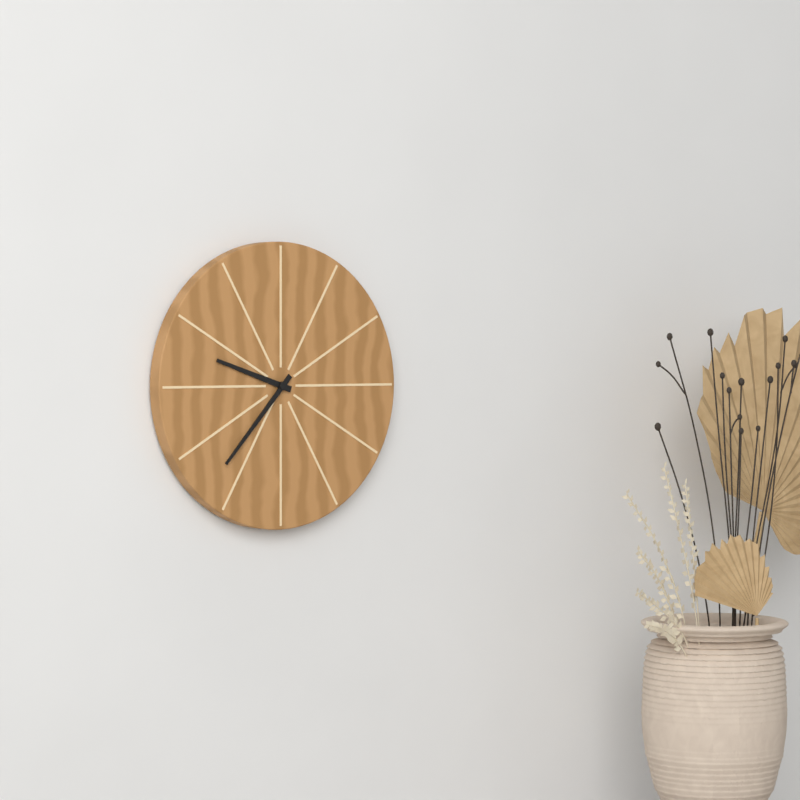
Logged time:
9h37
